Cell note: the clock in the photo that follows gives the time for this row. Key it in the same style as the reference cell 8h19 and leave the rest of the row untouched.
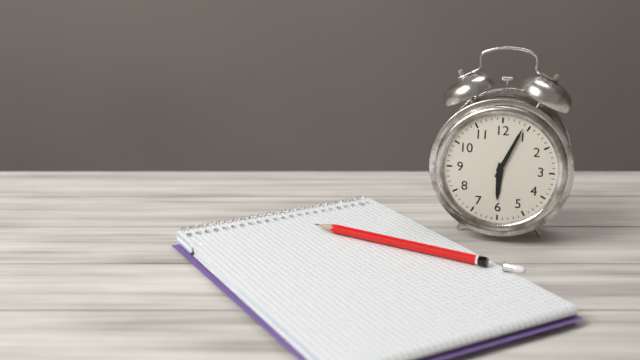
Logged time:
6h04
